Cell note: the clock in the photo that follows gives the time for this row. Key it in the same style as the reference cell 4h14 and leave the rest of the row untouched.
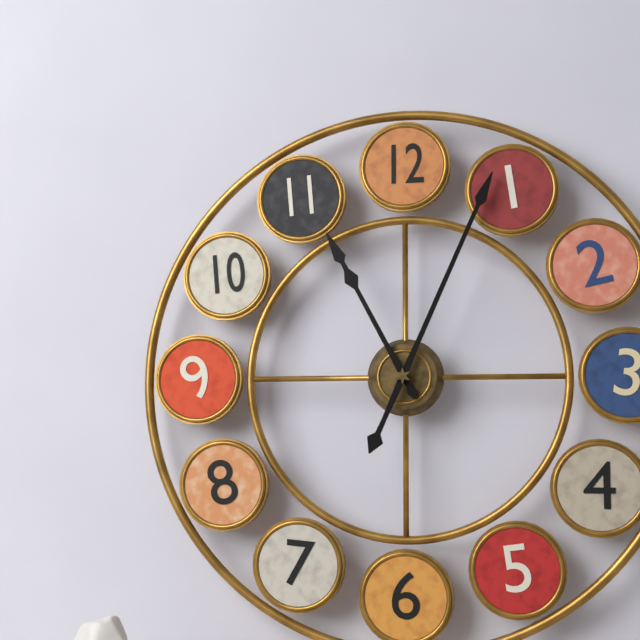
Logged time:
11h04
